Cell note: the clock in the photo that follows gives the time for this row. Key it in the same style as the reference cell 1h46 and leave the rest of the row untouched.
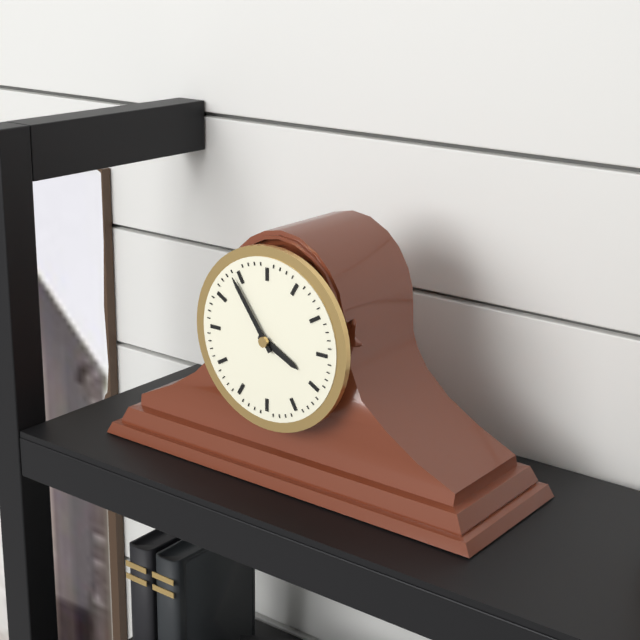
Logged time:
3h54
